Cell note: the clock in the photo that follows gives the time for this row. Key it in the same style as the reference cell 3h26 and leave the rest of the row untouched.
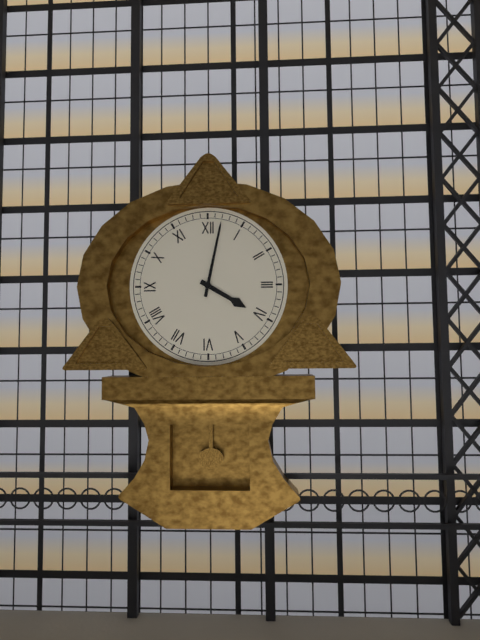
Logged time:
4h02
